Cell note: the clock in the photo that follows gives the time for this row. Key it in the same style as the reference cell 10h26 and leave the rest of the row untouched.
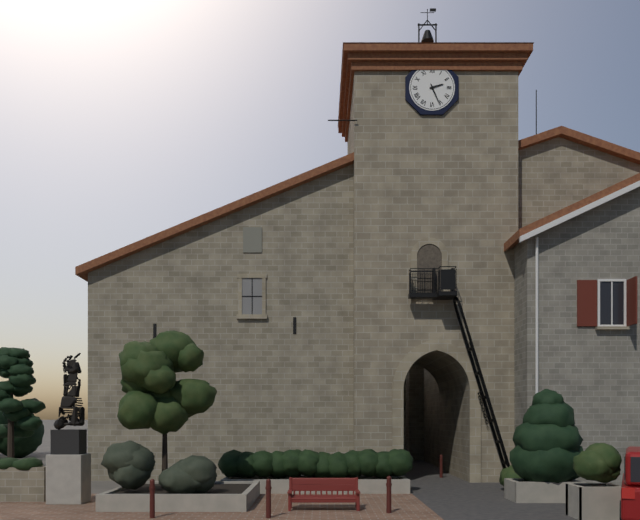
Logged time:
2h26
